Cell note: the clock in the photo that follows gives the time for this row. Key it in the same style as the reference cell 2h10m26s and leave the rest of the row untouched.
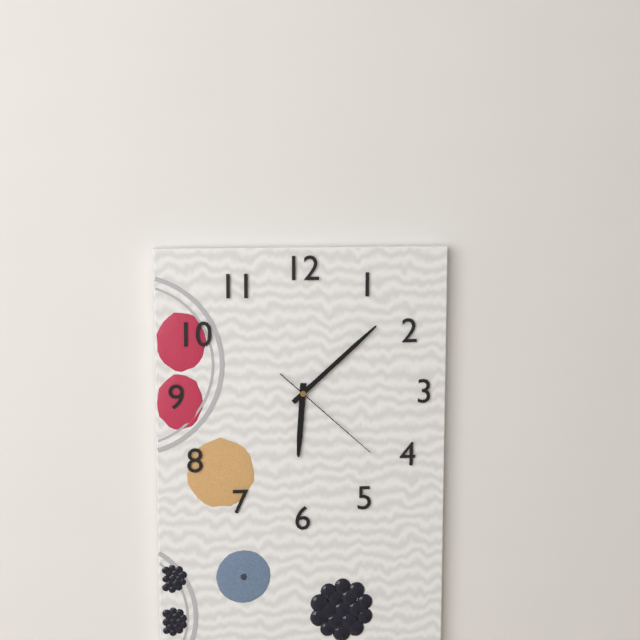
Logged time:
6h08m22s
